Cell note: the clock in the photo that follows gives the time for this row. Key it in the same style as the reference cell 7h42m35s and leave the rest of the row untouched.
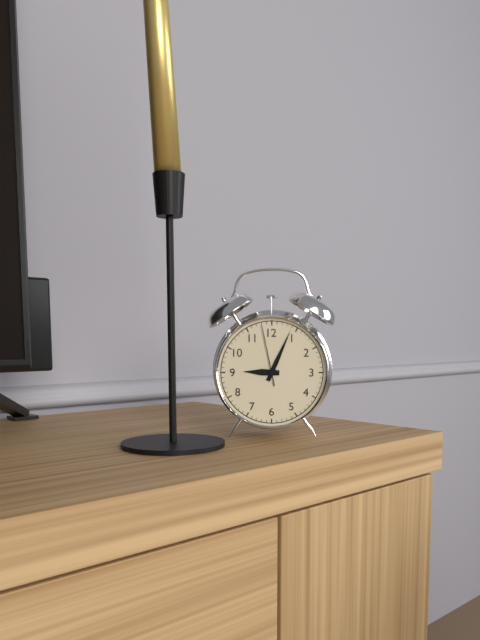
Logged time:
9h04m58s
